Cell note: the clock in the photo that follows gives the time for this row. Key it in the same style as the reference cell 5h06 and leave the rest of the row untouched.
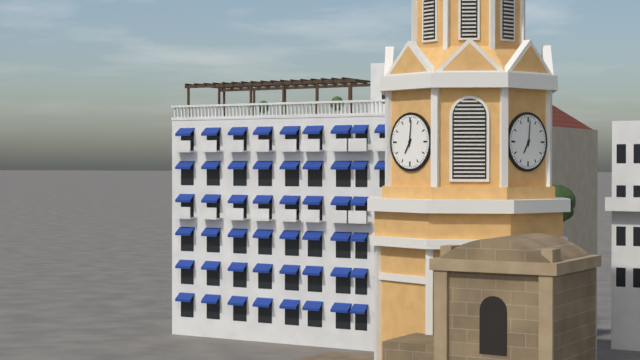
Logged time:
7h01
